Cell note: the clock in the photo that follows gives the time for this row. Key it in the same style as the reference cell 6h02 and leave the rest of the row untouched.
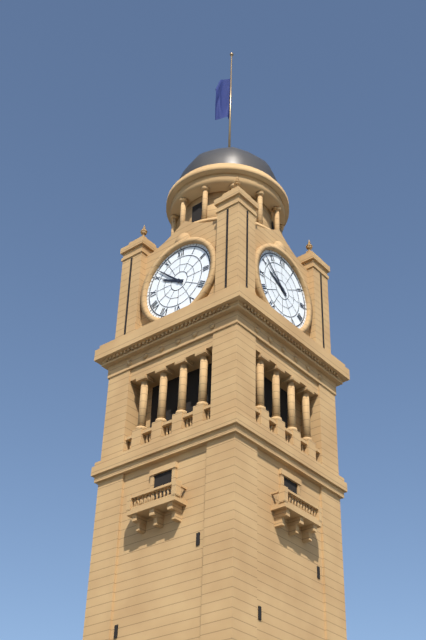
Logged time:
9h52
